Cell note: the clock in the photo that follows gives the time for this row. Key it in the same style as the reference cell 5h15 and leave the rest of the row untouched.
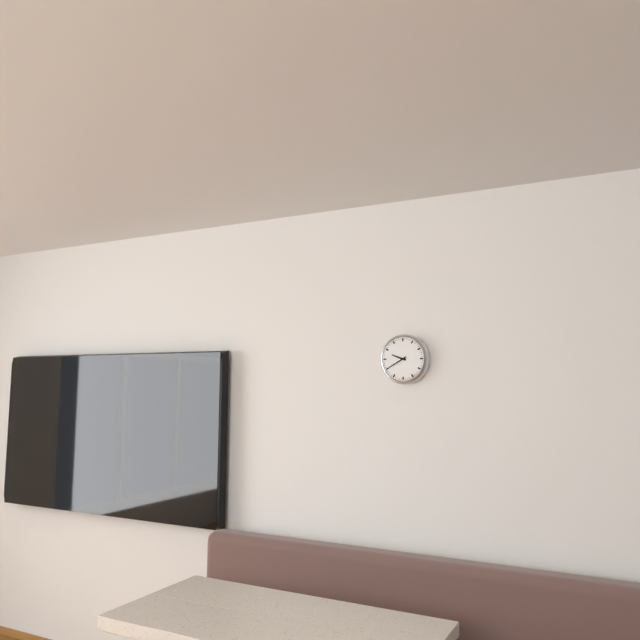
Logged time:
9h40
